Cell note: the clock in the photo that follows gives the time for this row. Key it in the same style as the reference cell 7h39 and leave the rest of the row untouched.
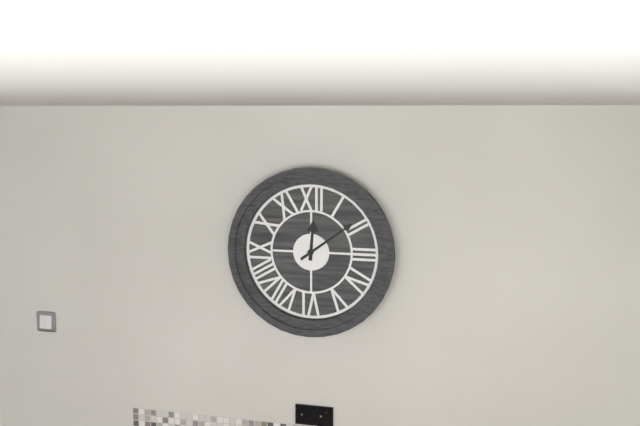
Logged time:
12h09
